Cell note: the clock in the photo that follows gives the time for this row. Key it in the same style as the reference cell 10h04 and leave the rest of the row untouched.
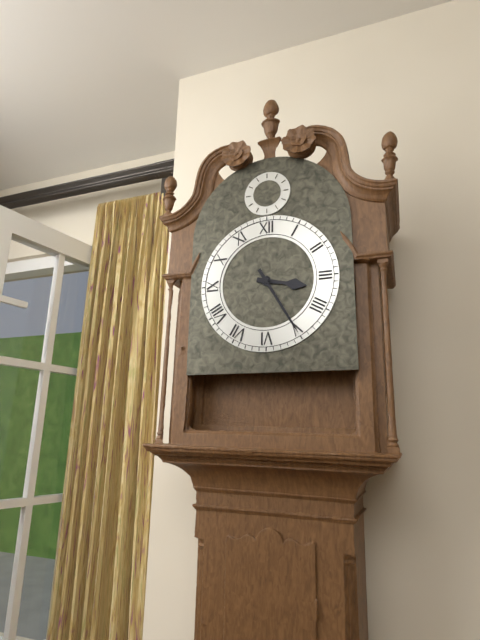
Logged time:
3h25
